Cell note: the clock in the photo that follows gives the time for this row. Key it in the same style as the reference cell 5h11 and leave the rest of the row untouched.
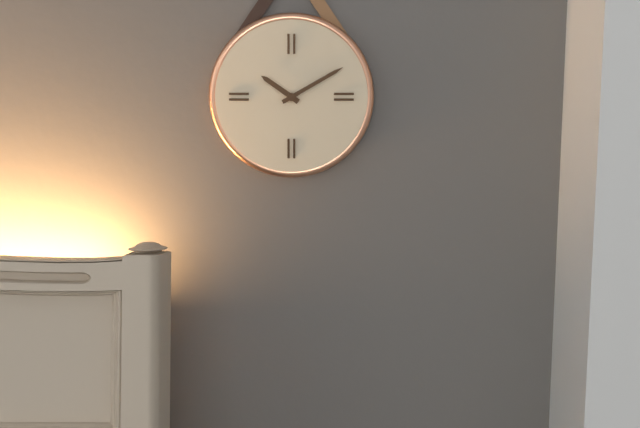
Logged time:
10h10
